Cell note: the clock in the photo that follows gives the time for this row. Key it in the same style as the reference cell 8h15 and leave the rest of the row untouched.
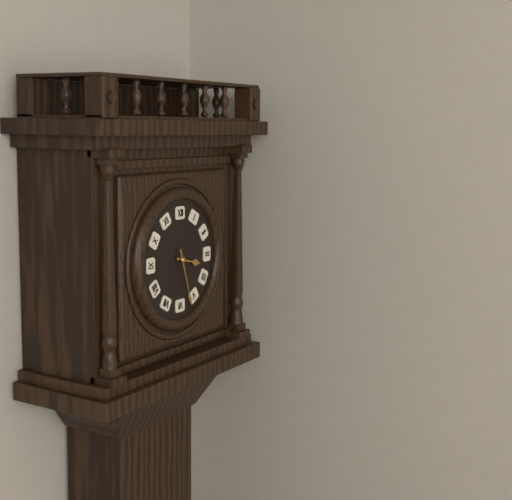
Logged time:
3h27
